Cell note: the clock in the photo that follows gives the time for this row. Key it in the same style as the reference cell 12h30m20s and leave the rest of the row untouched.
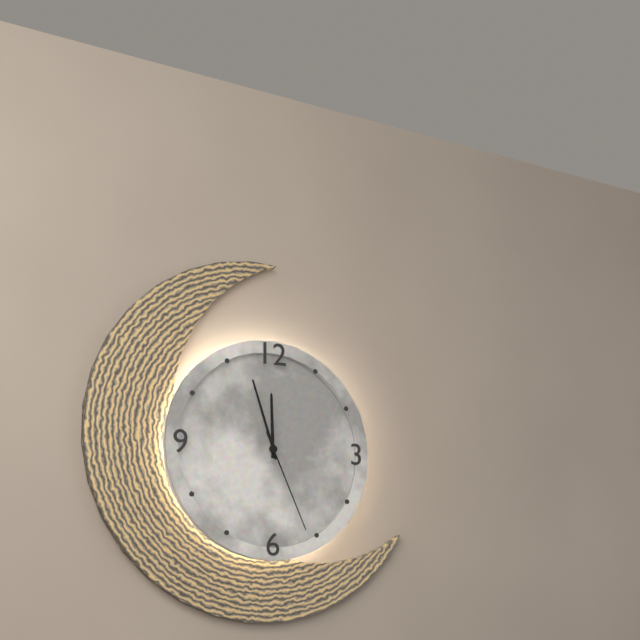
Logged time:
11h57m26s
